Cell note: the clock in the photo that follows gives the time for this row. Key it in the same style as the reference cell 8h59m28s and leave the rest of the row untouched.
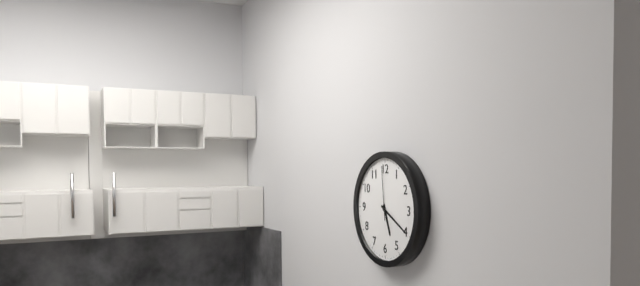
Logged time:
5h20m59s
